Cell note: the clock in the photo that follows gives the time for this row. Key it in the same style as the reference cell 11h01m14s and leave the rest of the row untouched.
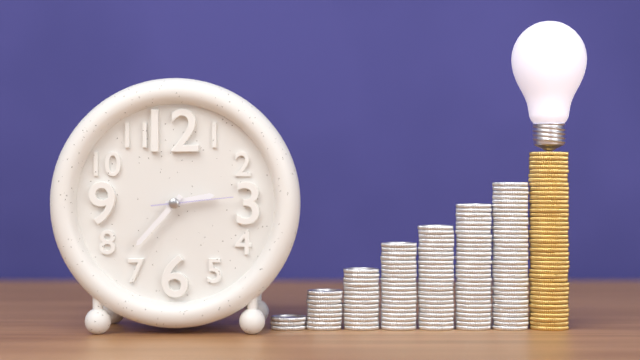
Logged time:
2h37m14s
